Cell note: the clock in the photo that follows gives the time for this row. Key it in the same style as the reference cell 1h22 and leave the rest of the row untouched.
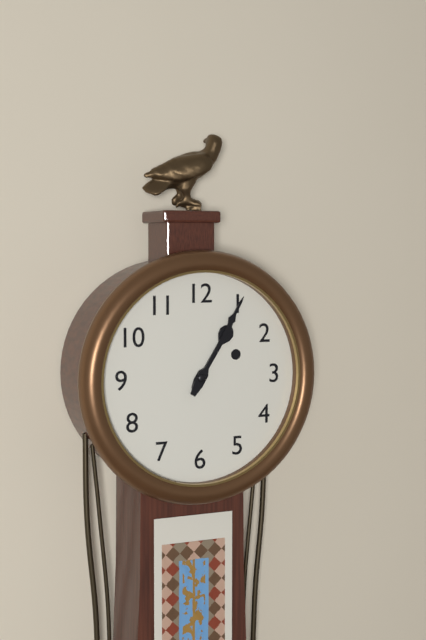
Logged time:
1h05
